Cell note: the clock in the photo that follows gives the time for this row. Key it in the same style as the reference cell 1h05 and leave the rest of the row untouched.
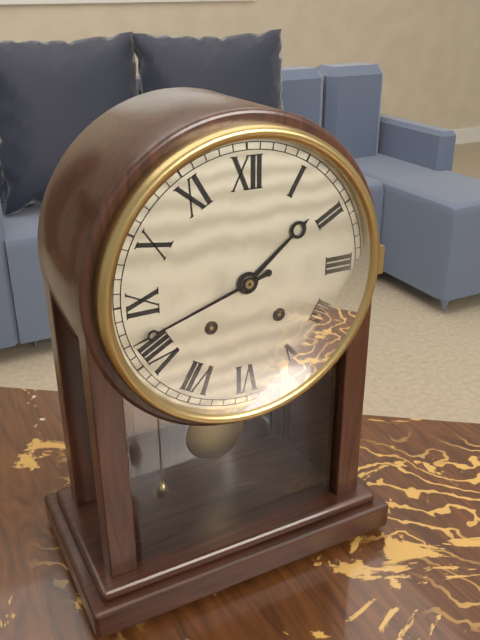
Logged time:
1h42
